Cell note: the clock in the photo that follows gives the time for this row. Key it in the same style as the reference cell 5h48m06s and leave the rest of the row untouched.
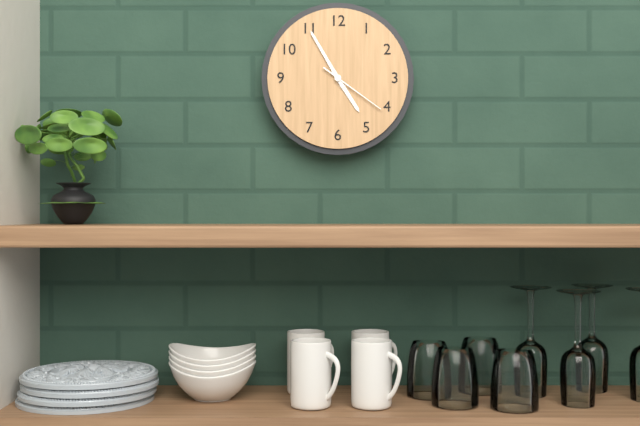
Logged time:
4h55m21s
